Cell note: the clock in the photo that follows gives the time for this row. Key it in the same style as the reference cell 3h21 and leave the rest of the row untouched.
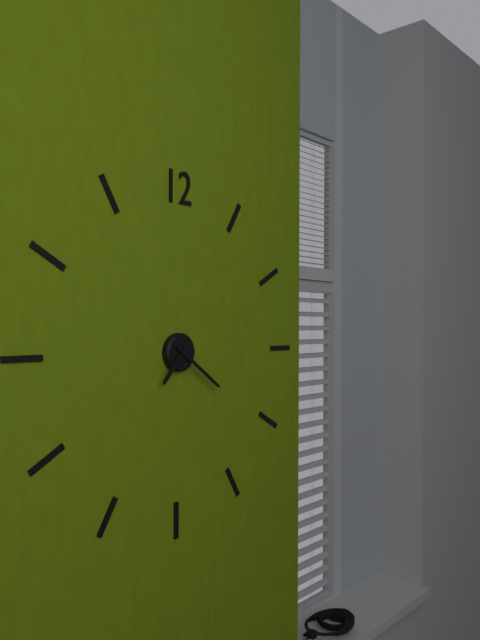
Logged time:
7h21
